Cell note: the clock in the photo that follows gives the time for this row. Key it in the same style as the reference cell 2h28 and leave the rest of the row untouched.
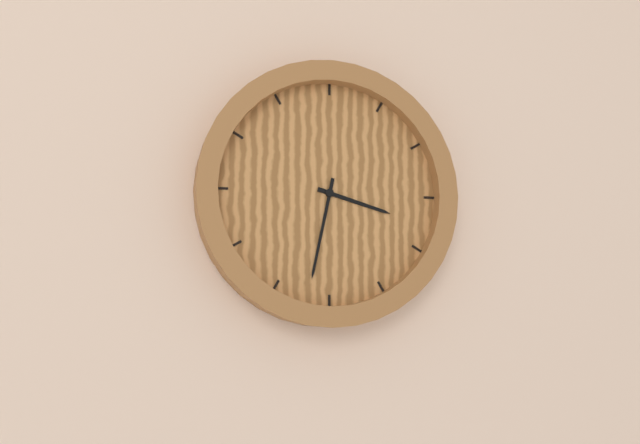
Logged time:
3h32
